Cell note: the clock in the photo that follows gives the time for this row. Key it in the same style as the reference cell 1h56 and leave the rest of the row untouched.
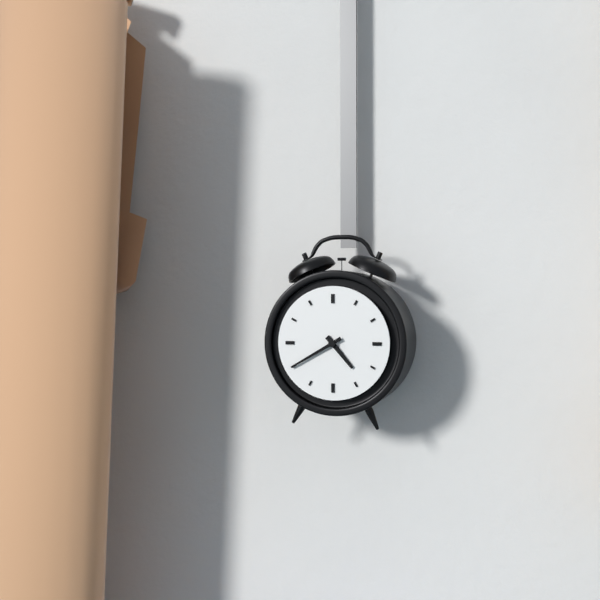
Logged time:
4h40
